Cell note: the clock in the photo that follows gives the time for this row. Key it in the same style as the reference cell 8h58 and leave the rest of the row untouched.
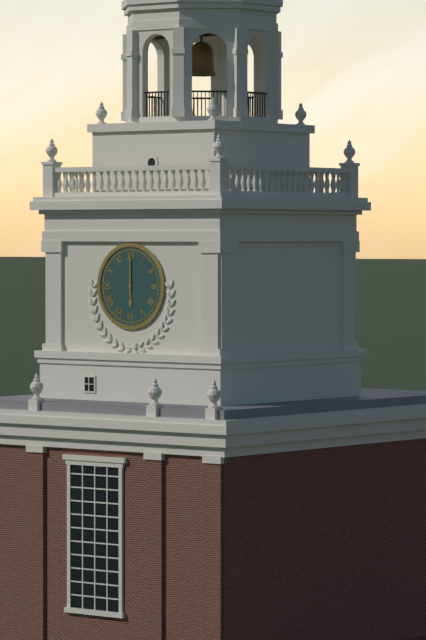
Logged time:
6h00
